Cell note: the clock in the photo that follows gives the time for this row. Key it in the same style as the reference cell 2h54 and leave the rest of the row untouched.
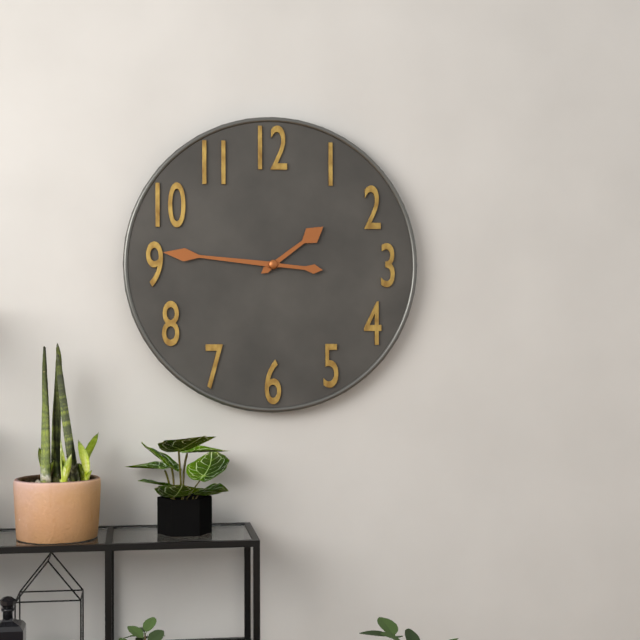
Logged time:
1h46
